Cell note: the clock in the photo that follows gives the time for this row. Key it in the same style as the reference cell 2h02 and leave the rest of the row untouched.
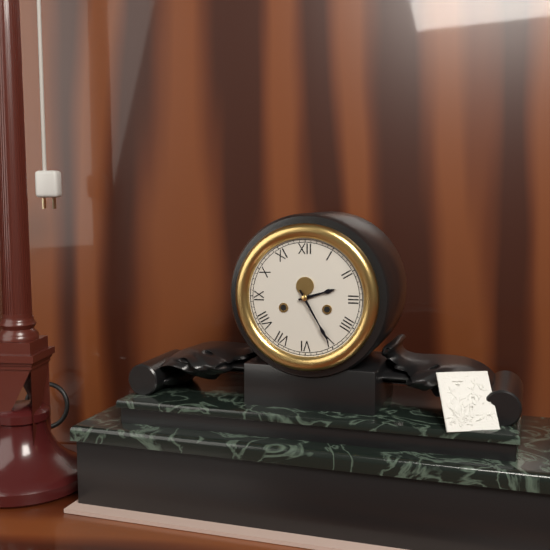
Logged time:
2h25
